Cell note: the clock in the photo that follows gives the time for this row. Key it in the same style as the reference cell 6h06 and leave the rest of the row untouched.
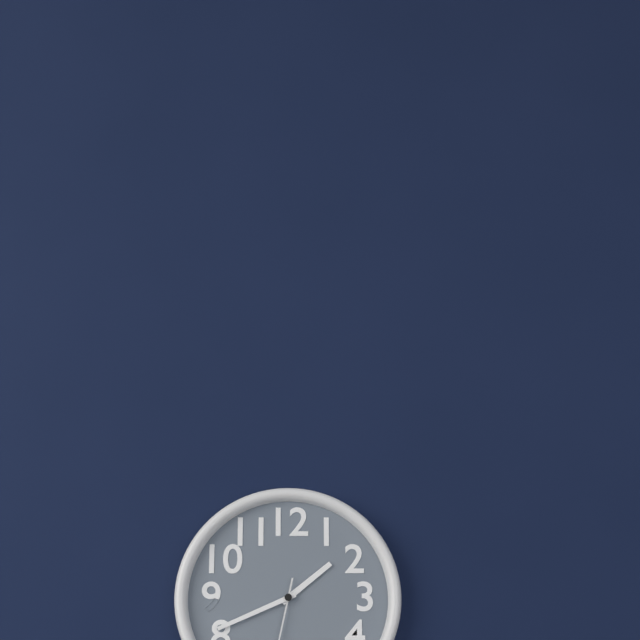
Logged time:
1h41
